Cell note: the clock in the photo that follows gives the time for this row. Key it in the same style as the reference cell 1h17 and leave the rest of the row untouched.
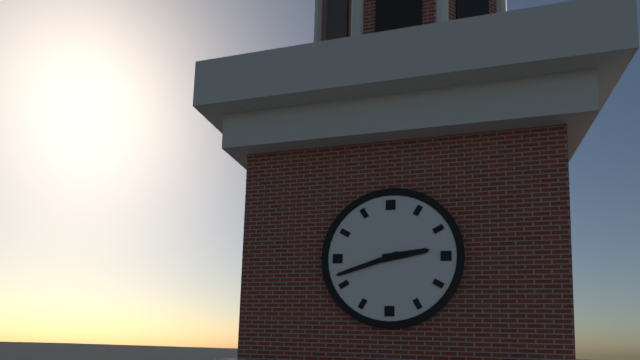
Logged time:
2h42
